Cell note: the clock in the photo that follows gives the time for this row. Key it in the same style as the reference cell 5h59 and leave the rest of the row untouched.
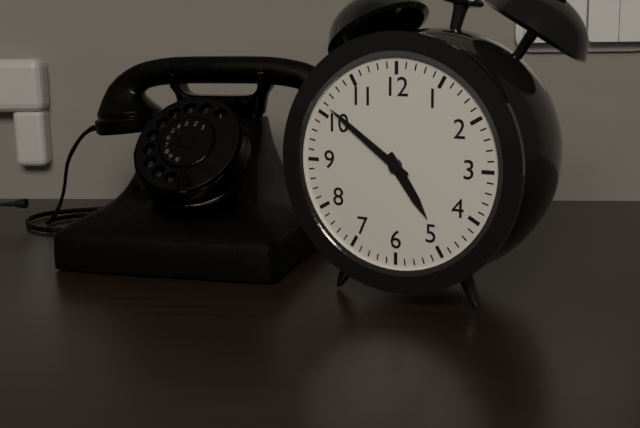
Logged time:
4h51
